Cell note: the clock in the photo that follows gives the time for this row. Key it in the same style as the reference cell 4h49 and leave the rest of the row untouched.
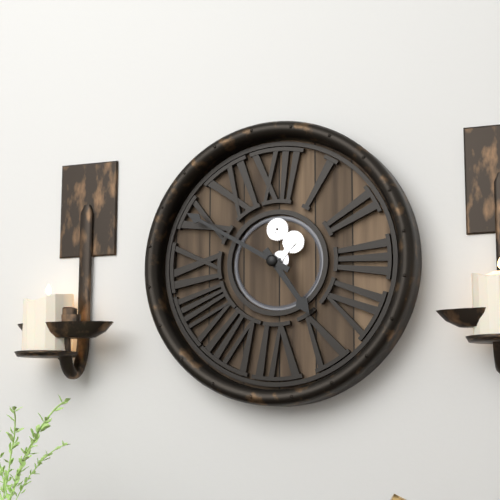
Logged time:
4h50
